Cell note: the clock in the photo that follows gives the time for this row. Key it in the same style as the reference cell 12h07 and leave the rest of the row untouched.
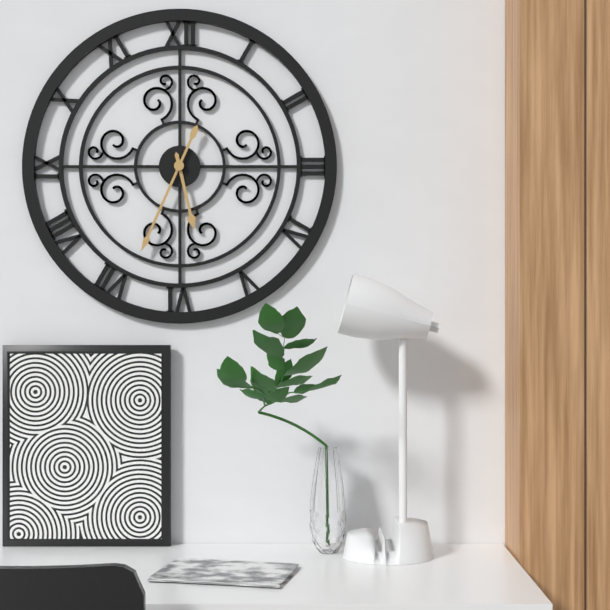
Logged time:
5h34
